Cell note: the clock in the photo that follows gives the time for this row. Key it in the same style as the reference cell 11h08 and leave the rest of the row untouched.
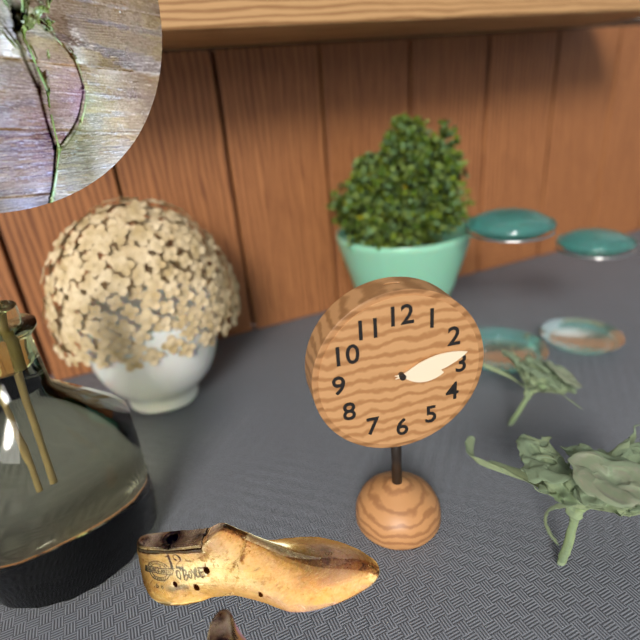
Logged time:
3h13
